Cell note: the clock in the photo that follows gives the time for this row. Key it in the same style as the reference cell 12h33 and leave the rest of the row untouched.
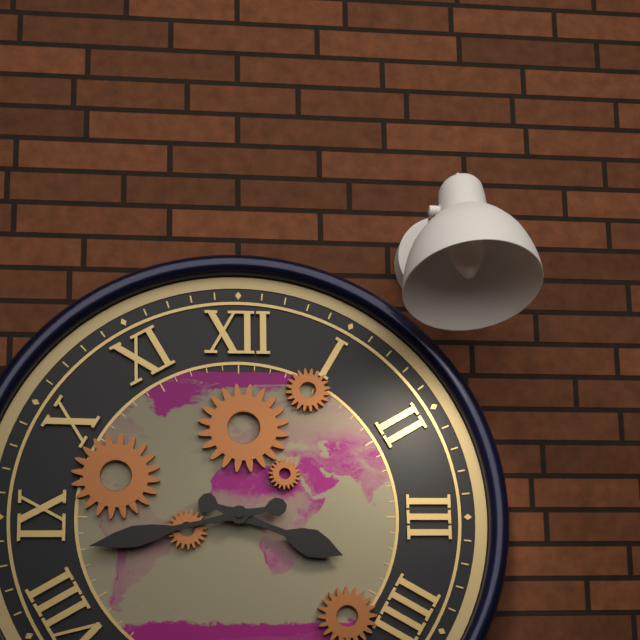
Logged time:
3h43
